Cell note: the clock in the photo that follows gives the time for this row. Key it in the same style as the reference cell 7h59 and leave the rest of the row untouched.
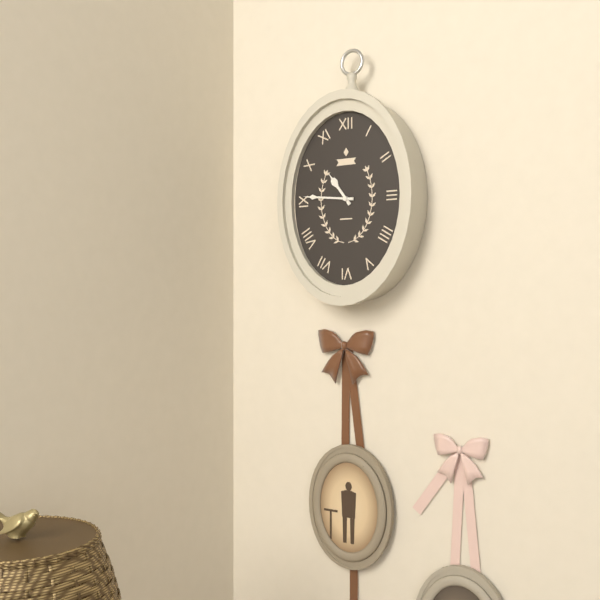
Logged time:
10h46
